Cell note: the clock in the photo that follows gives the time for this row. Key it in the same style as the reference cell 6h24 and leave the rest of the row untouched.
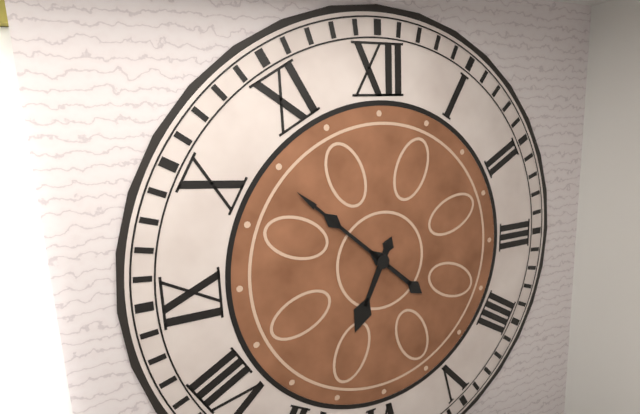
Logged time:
6h52
